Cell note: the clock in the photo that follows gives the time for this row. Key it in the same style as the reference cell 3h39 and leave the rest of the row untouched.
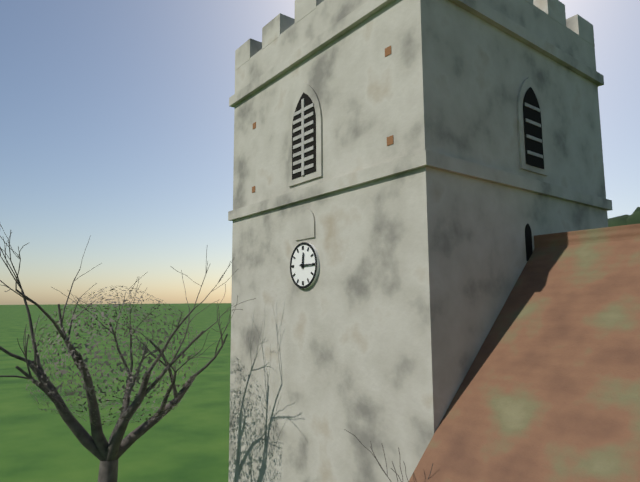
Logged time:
12h15
